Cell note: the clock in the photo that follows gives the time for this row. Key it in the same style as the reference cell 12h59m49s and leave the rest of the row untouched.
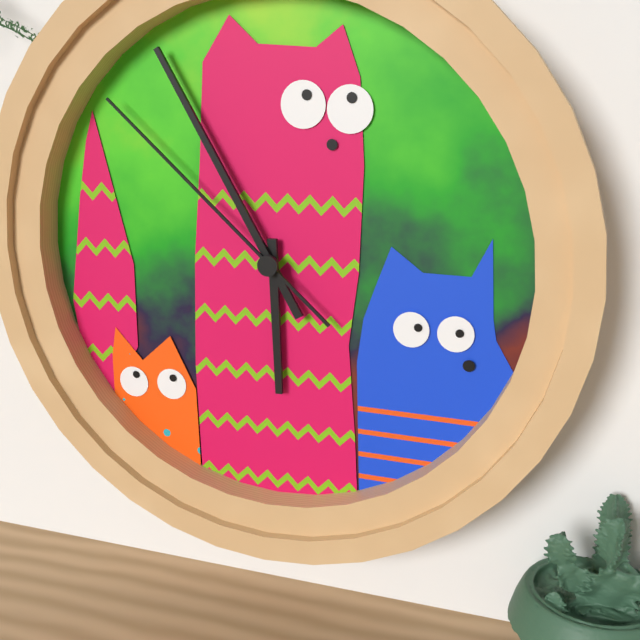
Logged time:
5h55m52s
